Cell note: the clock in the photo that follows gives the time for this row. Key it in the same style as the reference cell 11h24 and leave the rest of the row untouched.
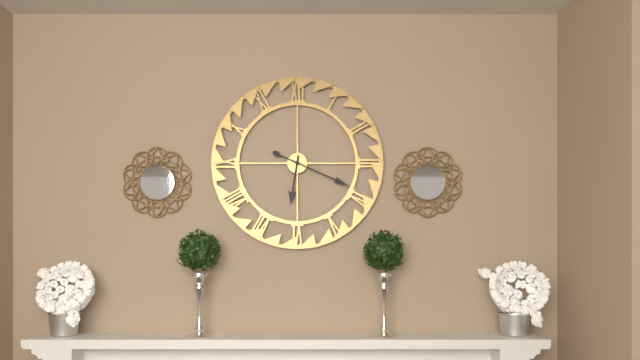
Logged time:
6h19
